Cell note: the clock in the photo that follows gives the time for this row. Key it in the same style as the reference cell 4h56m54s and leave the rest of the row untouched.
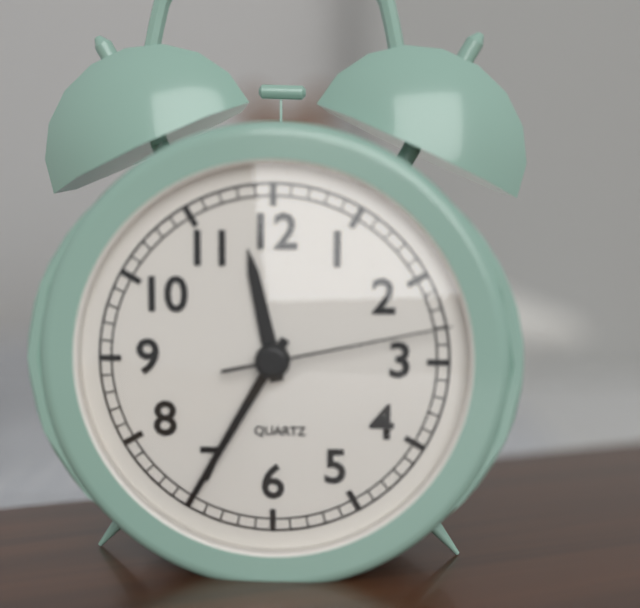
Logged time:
11h35m13s
